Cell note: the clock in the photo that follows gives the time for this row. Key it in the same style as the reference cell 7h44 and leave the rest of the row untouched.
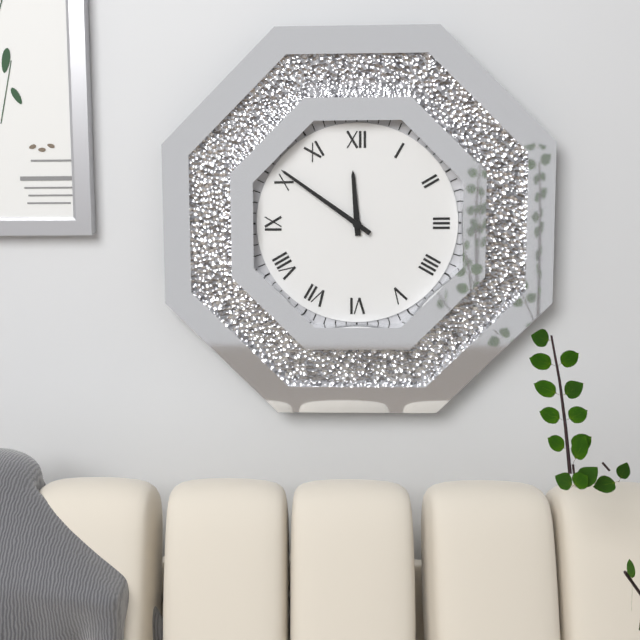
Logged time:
11h51
